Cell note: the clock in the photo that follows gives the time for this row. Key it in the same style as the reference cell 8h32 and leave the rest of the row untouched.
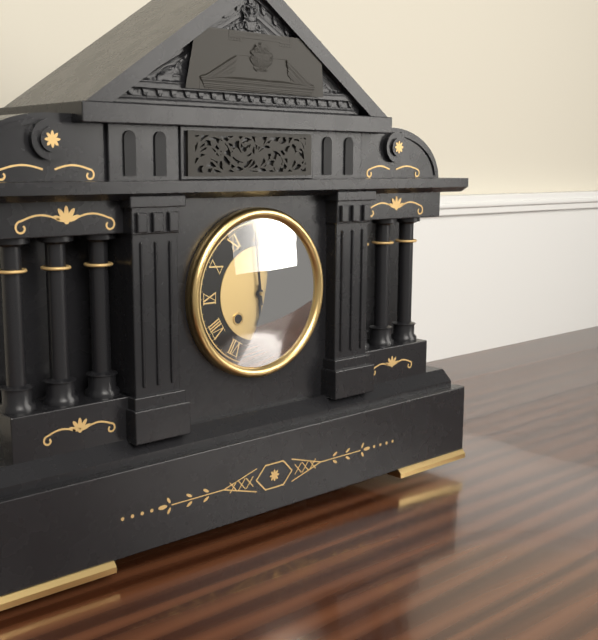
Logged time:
5h59
